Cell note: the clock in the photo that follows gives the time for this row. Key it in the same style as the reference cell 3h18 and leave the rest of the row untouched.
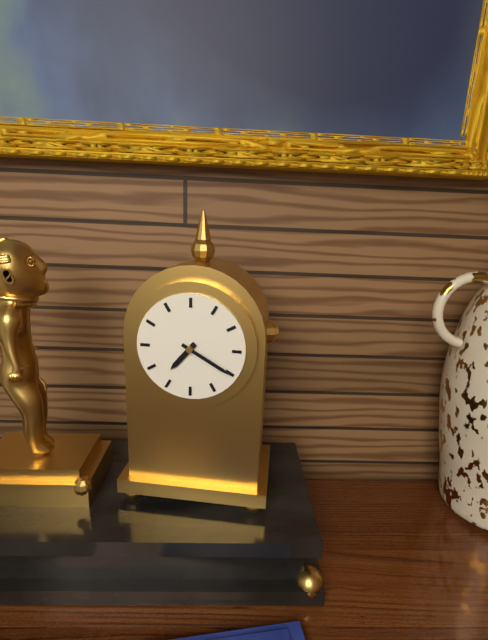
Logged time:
7h20
